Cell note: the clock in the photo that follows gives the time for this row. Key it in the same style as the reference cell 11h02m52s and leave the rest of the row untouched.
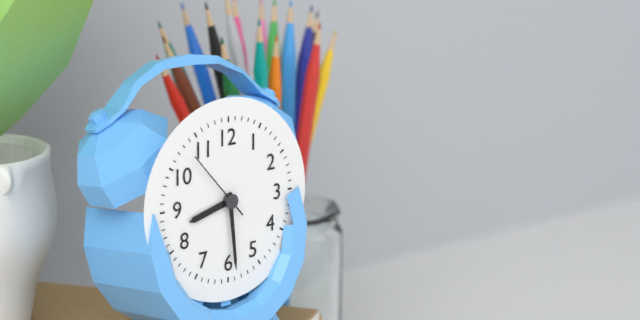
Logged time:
8h29m53s
